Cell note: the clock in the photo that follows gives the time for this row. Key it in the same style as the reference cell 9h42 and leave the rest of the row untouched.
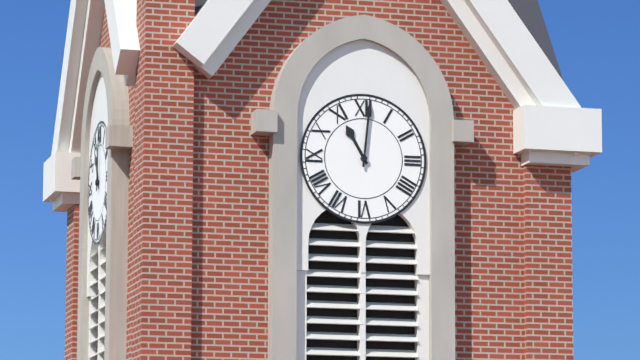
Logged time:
11h01
